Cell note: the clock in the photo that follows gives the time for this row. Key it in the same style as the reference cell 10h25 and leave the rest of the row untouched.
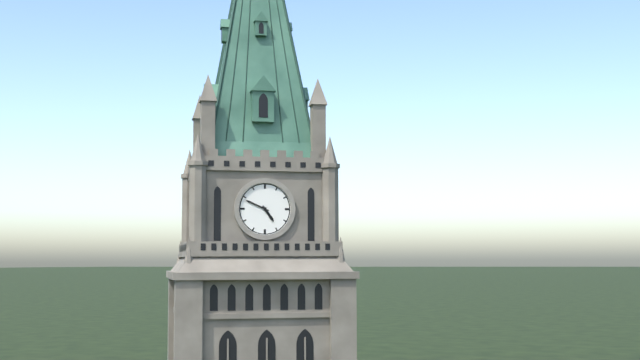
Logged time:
4h49
